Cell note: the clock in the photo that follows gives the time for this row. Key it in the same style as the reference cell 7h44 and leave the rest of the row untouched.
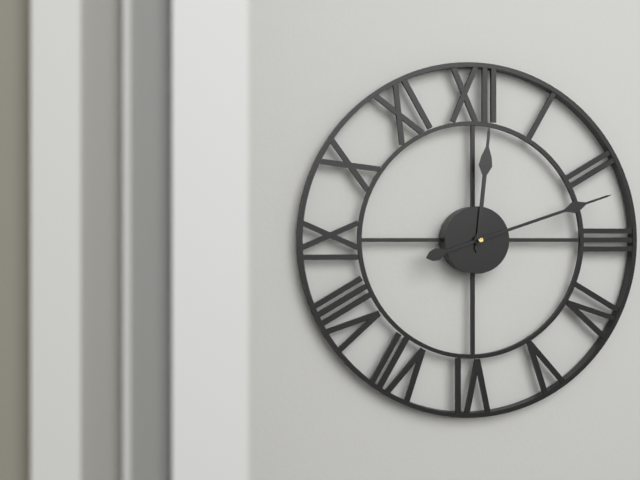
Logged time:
12h12
